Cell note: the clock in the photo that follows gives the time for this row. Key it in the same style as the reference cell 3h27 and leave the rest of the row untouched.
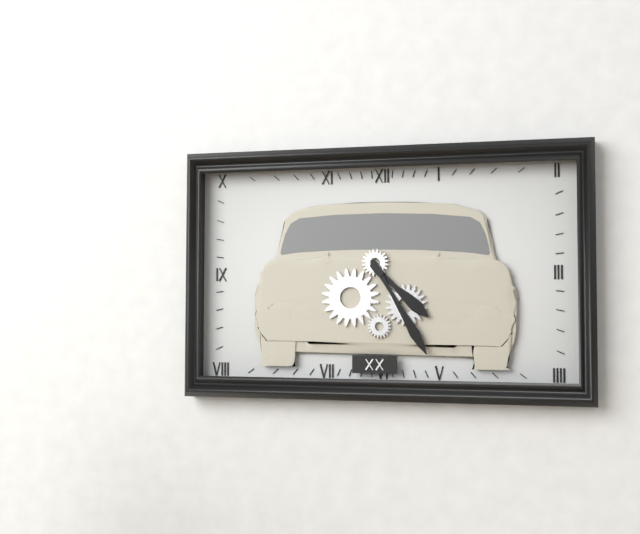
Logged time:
4h25
